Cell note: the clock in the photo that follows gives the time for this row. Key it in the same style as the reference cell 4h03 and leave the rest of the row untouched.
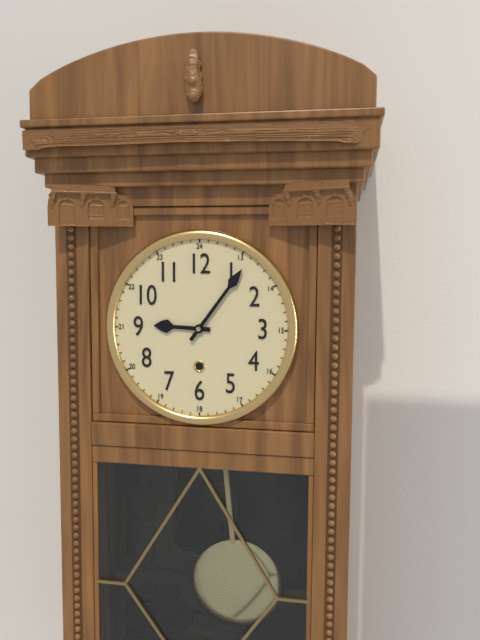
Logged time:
9h06
